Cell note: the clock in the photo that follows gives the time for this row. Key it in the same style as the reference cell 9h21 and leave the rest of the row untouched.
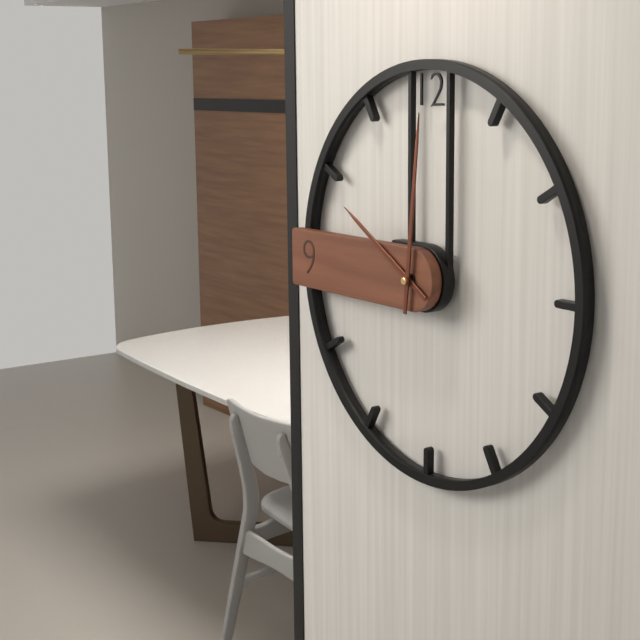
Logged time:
10h01
